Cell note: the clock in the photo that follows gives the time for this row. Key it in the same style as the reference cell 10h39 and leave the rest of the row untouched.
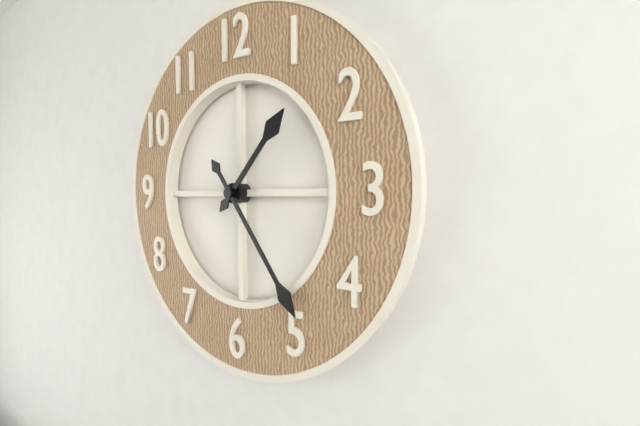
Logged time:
1h24
